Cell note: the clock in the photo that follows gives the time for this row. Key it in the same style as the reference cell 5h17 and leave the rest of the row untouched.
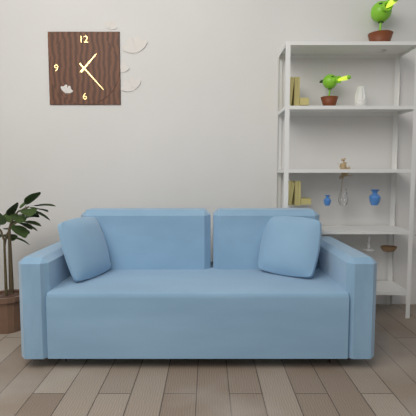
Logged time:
1h23
